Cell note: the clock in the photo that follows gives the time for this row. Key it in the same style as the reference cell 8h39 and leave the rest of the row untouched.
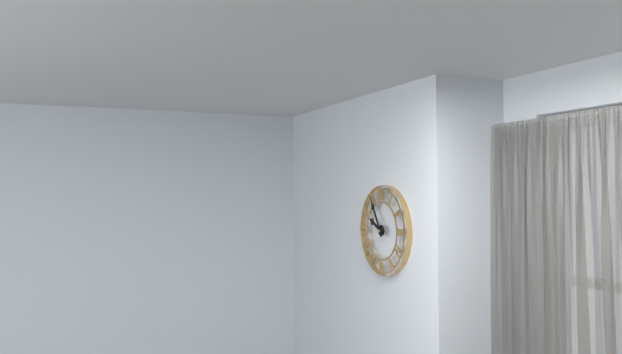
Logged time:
9h55
